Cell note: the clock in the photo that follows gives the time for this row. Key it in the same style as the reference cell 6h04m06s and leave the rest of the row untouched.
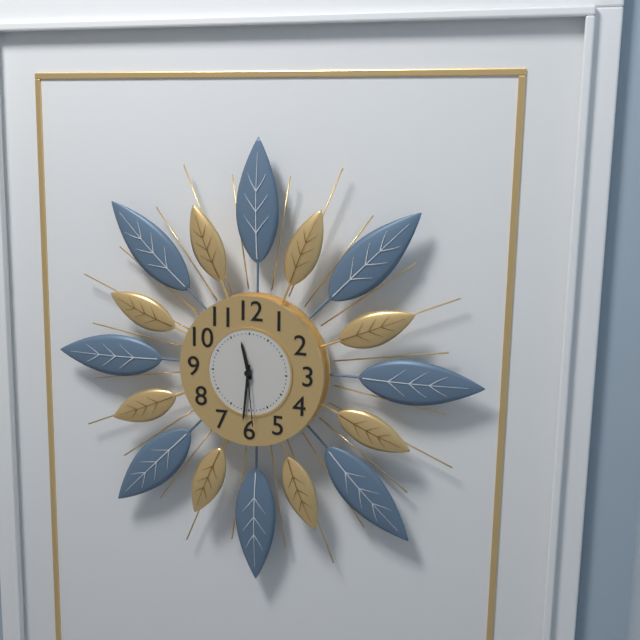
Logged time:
11h31m29s
